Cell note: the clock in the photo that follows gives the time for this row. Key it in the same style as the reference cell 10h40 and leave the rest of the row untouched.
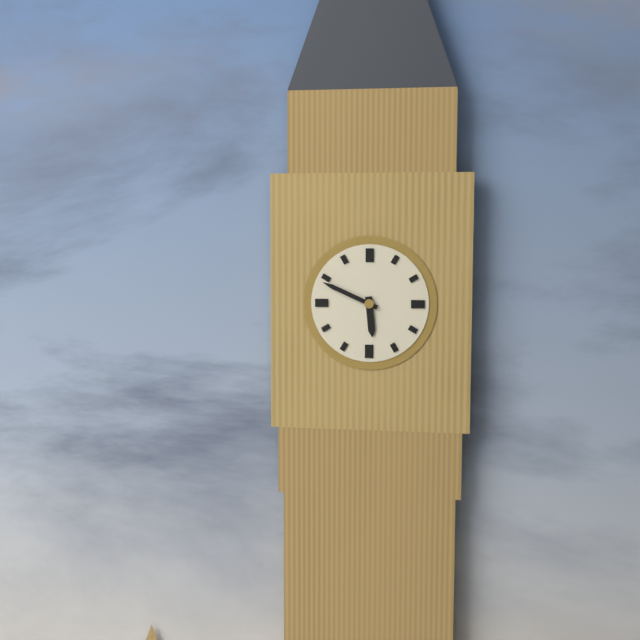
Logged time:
5h49
